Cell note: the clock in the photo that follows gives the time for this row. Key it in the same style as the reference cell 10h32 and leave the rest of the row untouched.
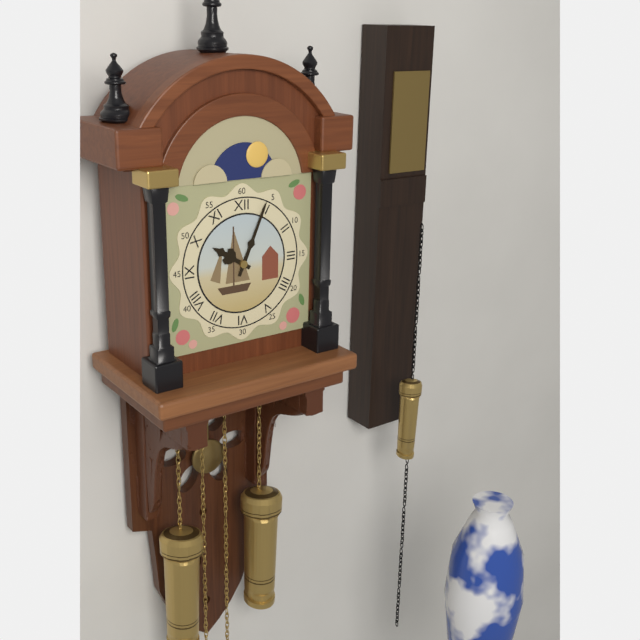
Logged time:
10h04
